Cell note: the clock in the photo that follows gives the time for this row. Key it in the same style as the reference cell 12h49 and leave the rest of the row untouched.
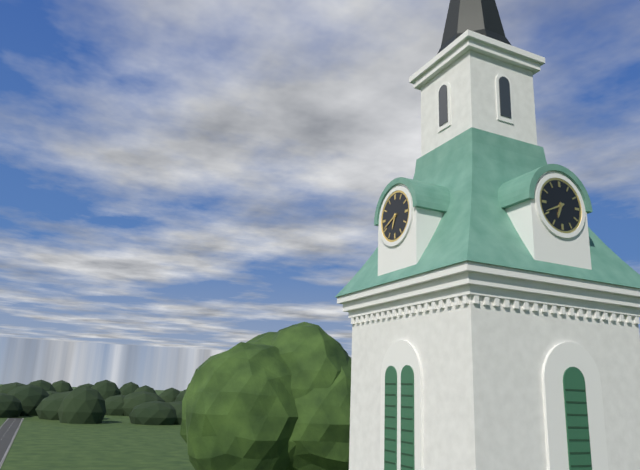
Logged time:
6h41
